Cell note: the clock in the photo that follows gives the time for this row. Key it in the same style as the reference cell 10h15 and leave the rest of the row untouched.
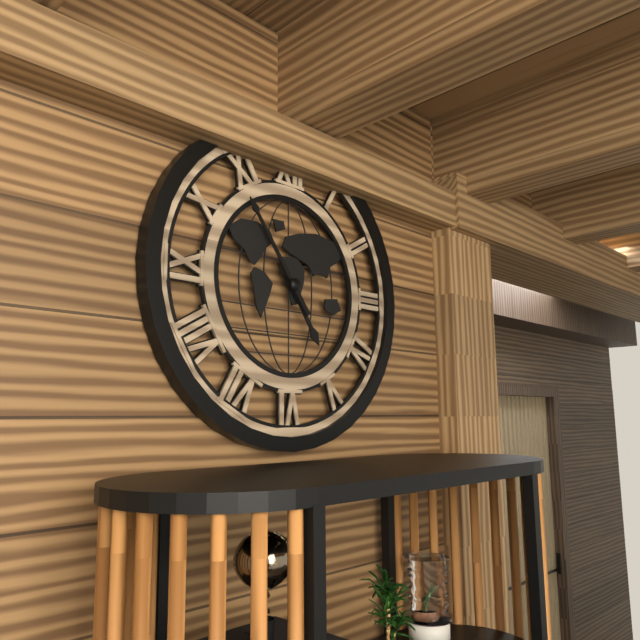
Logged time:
4h54
